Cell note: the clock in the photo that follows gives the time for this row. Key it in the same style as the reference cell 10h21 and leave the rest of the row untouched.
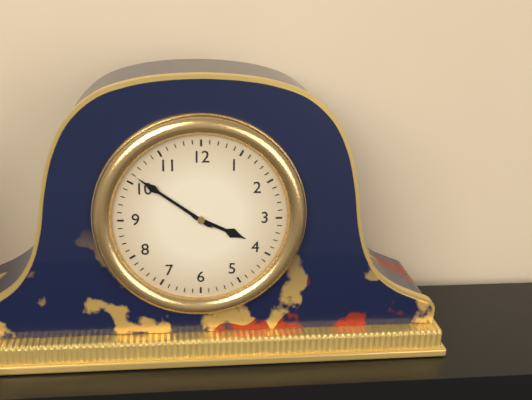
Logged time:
3h51
